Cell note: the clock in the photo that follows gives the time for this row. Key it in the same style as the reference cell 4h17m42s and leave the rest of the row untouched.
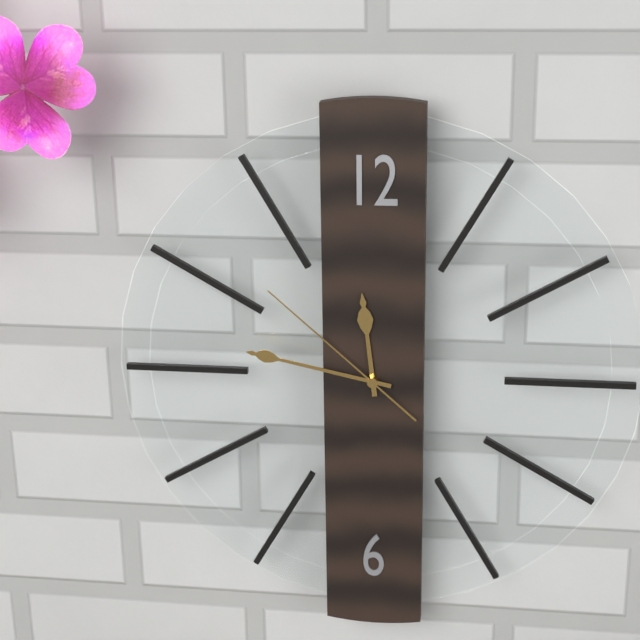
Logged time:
11h47m52s
